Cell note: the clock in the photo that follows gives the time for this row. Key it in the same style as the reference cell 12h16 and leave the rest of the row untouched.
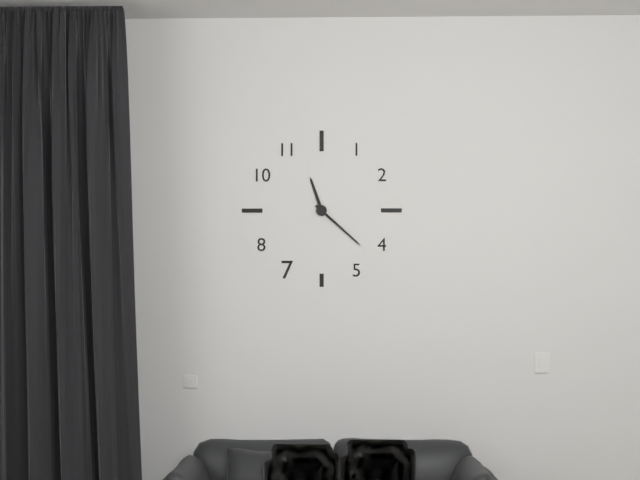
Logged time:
11h22
